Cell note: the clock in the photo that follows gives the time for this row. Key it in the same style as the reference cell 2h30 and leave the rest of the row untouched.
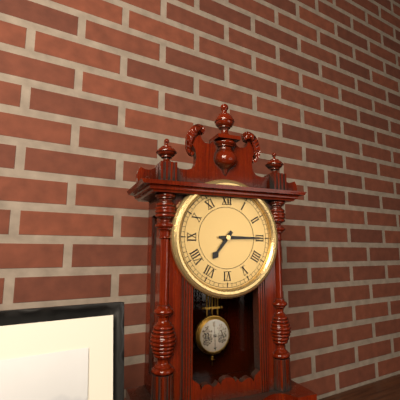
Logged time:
7h15
